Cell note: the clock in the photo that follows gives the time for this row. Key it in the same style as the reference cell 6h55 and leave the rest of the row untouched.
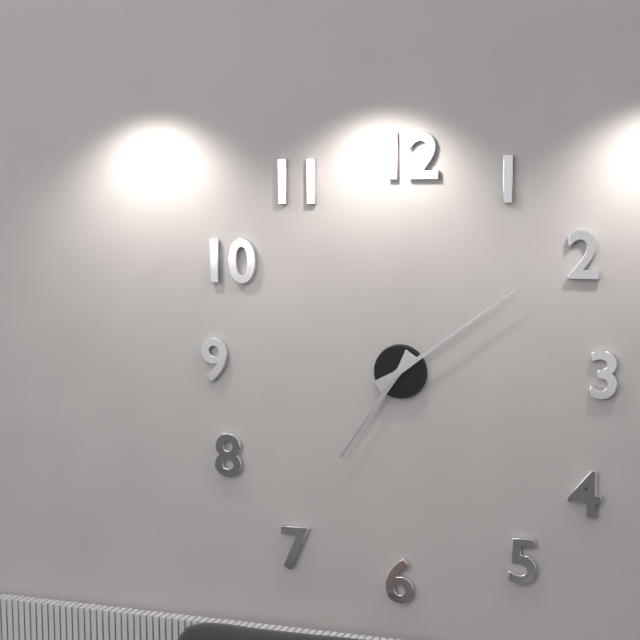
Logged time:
7h09
